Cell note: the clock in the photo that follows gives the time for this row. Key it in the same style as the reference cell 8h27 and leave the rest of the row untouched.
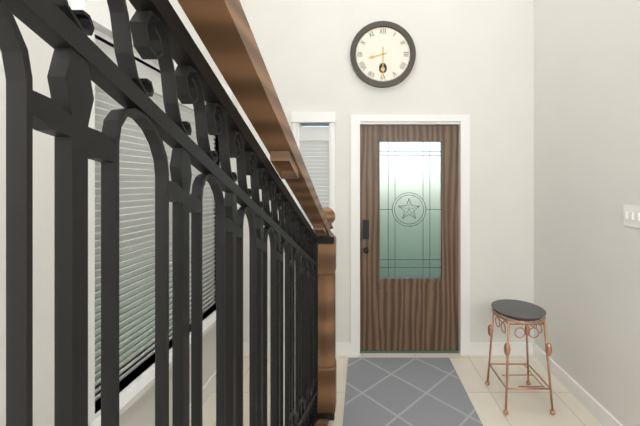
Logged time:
8h30
